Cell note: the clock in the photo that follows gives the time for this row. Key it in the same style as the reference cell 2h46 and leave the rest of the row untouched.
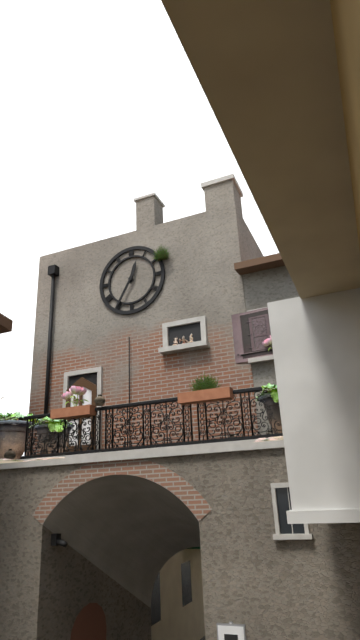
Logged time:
12h35
